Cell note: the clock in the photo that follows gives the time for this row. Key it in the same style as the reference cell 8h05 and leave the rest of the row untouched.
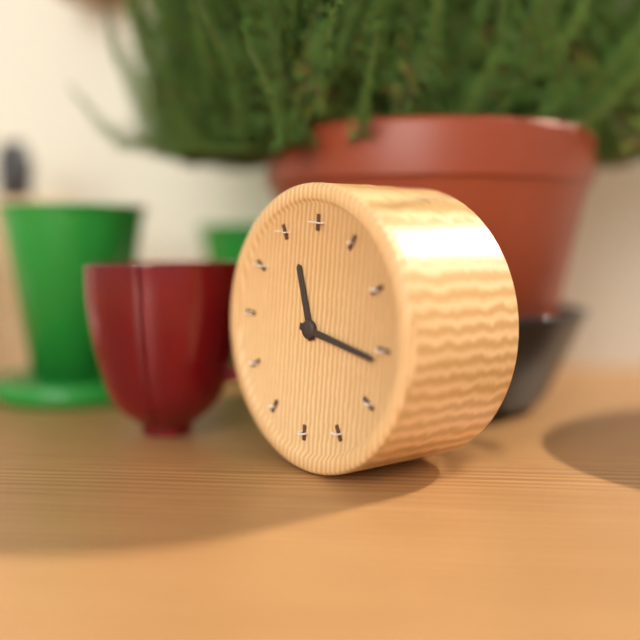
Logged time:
11h16
